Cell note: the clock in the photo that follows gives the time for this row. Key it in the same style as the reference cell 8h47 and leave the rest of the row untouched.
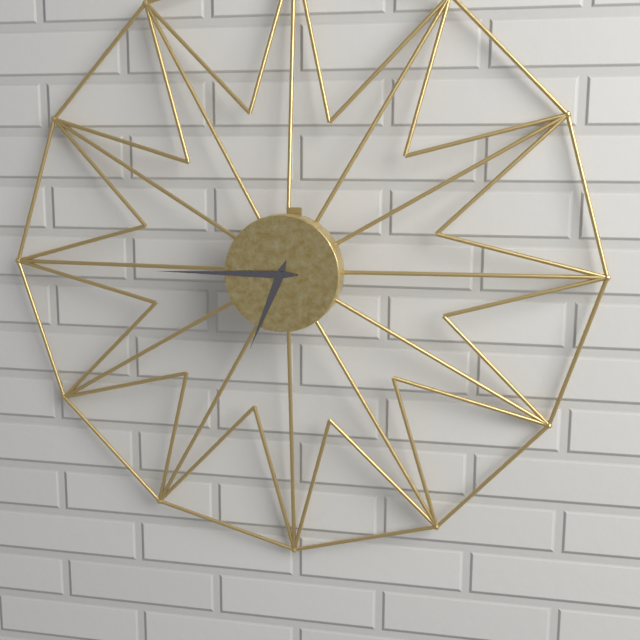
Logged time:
6h45
